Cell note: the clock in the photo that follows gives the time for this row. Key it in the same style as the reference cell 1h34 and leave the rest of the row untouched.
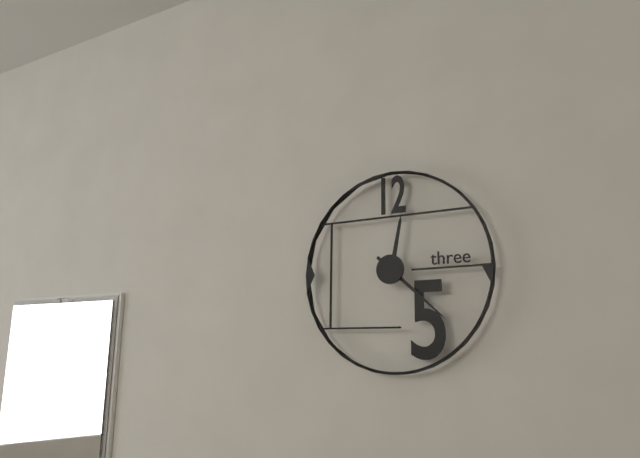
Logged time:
12h22
